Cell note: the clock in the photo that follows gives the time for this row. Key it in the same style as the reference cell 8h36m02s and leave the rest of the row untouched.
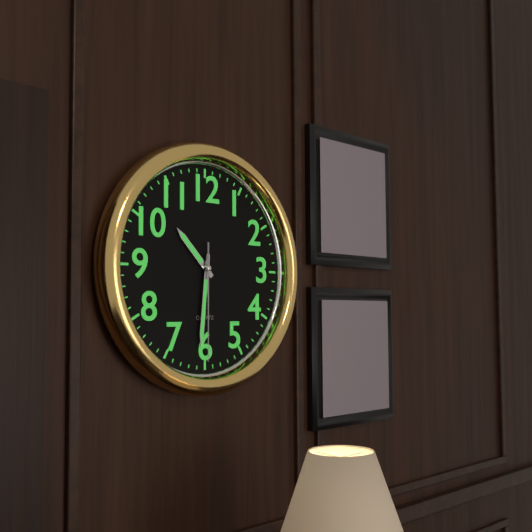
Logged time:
10h31m30s
